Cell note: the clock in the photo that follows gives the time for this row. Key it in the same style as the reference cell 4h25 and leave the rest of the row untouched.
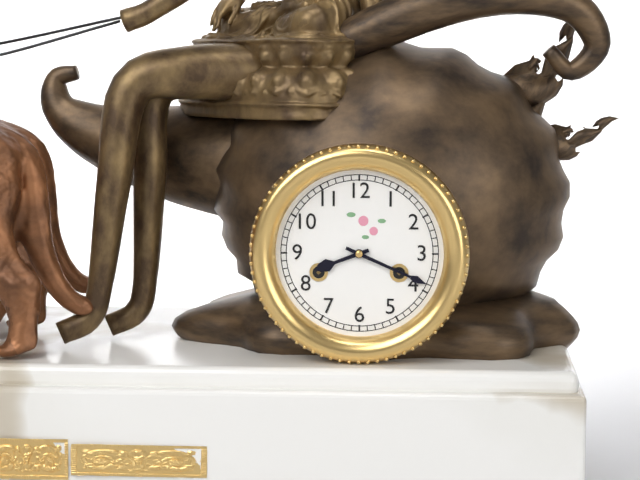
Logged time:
8h19
